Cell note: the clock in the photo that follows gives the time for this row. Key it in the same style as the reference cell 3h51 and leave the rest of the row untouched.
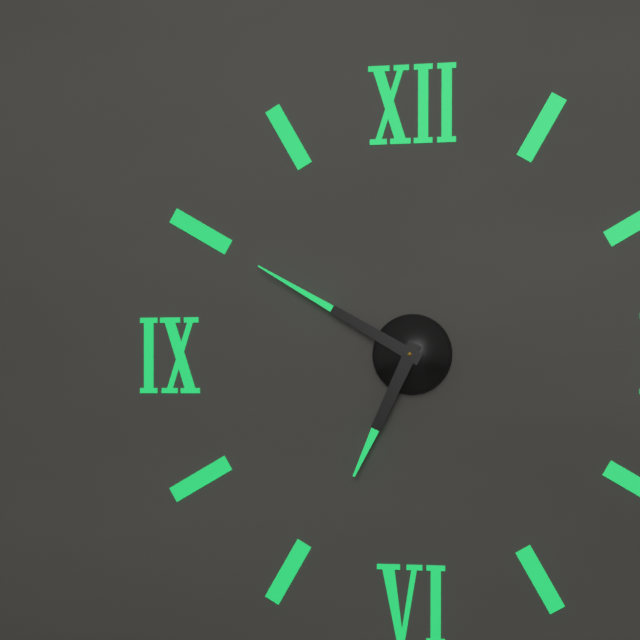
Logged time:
6h50
